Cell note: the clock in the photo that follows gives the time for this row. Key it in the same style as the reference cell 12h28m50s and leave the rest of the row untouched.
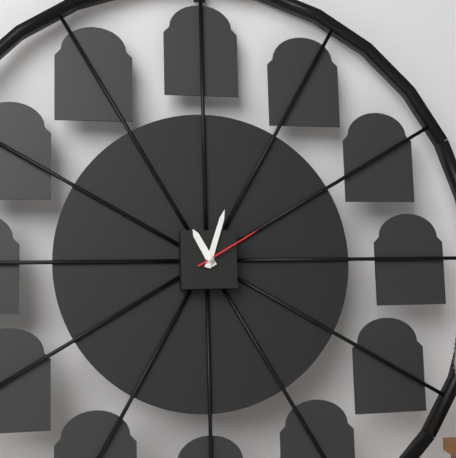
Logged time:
11h03m10s
